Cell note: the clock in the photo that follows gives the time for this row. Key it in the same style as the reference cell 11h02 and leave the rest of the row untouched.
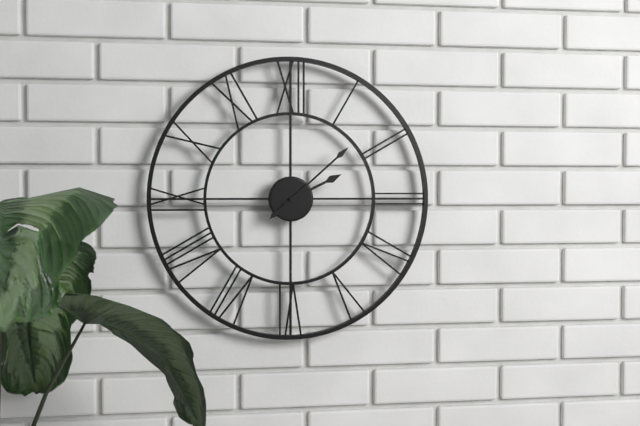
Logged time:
2h08
